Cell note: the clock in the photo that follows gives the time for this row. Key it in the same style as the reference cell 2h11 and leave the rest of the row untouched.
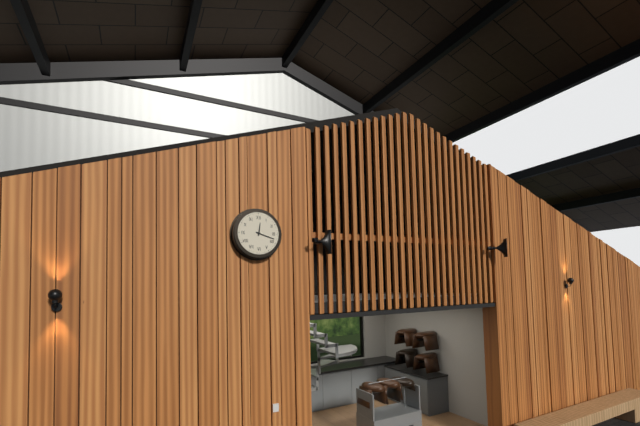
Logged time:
12h18
